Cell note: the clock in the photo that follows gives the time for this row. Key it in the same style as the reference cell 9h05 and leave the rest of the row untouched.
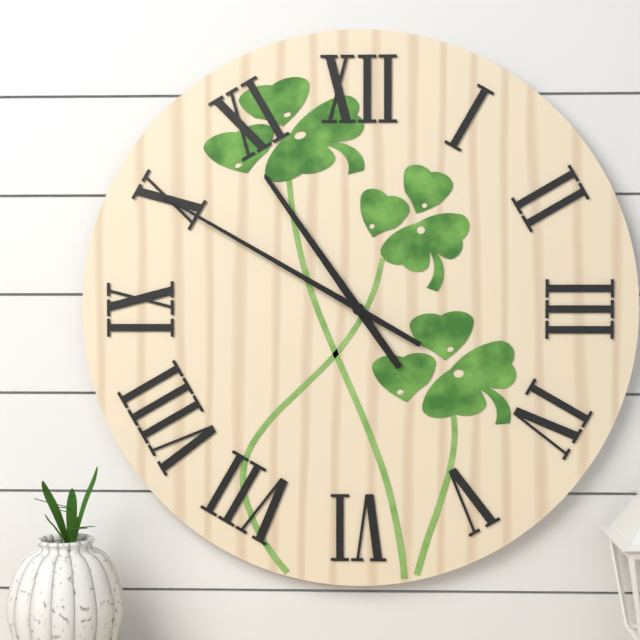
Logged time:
10h50
